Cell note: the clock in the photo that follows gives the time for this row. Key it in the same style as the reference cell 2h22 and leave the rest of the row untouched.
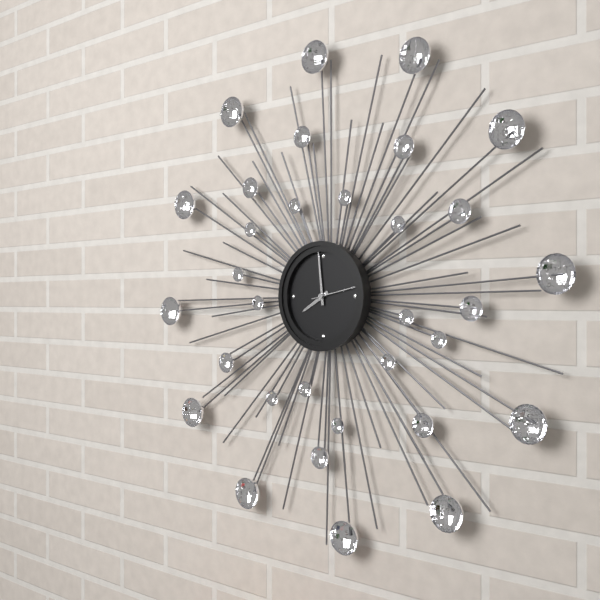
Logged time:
7h59
